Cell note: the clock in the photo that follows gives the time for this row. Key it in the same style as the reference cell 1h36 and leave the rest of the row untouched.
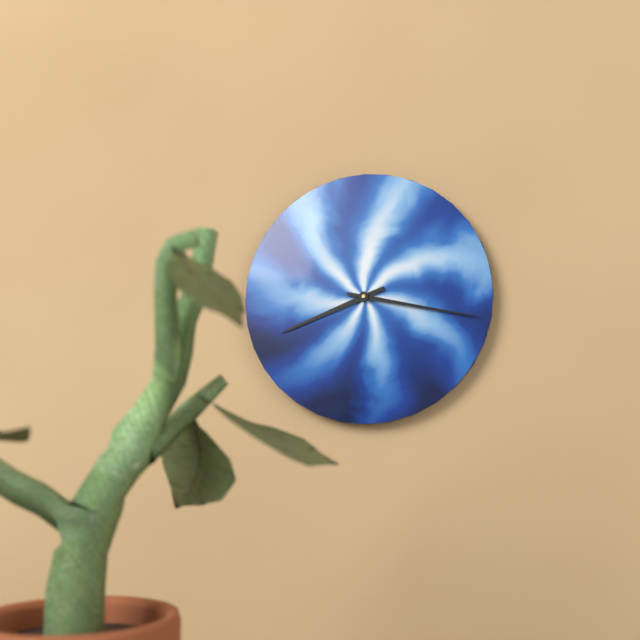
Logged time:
8h17
